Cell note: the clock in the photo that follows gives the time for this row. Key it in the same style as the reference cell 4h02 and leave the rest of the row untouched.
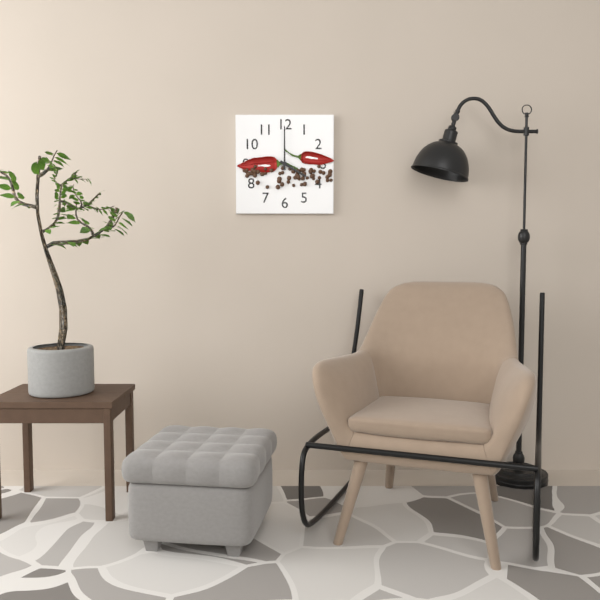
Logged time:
4h00
